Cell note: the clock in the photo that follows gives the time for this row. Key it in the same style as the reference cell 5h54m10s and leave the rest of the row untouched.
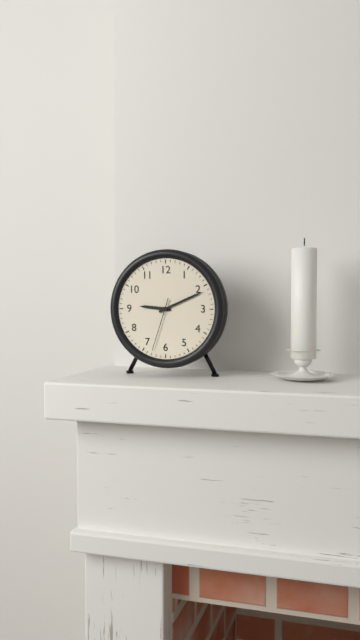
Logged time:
9h11m33s
